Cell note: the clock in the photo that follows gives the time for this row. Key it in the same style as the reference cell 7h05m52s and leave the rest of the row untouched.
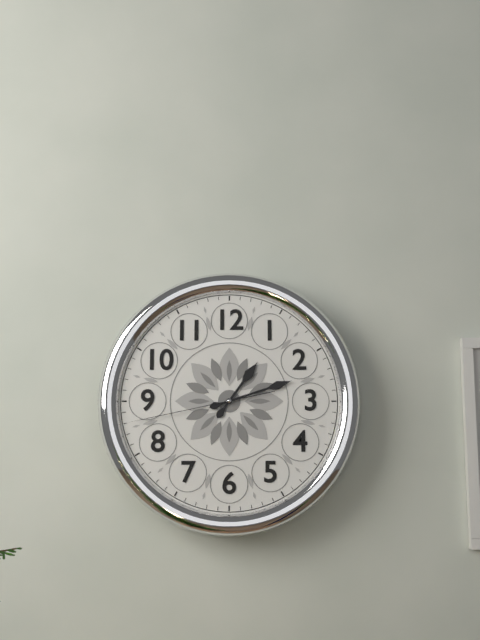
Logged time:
1h12m43s
